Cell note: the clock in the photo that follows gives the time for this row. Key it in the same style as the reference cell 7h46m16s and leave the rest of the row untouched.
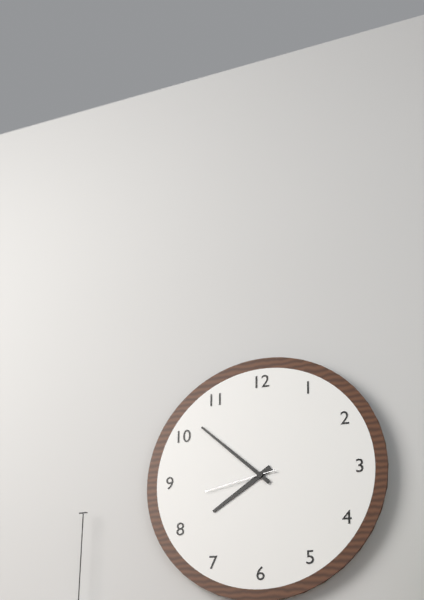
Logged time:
7h52m43s
